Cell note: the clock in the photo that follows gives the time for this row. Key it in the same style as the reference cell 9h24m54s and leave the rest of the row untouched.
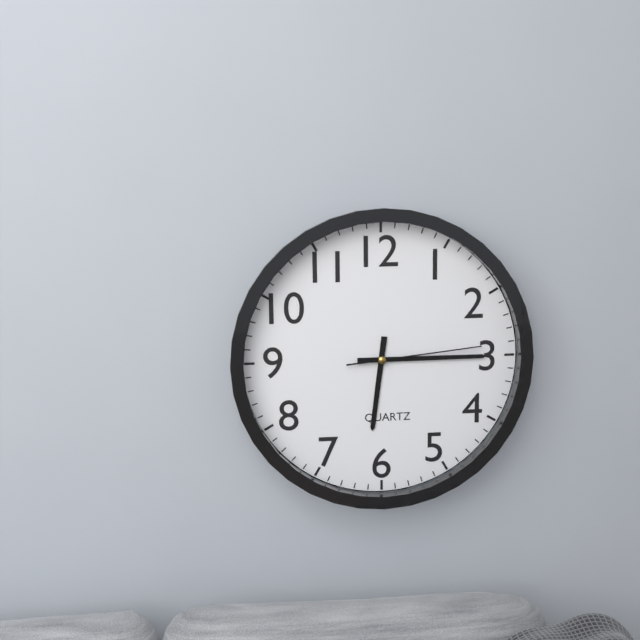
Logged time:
6h15m14s
